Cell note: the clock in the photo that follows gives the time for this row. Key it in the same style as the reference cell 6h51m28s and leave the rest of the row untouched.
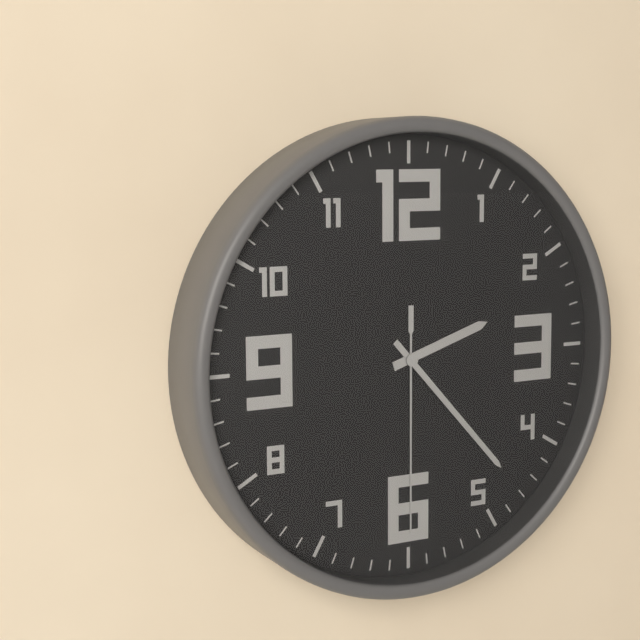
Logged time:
2h23m30s
